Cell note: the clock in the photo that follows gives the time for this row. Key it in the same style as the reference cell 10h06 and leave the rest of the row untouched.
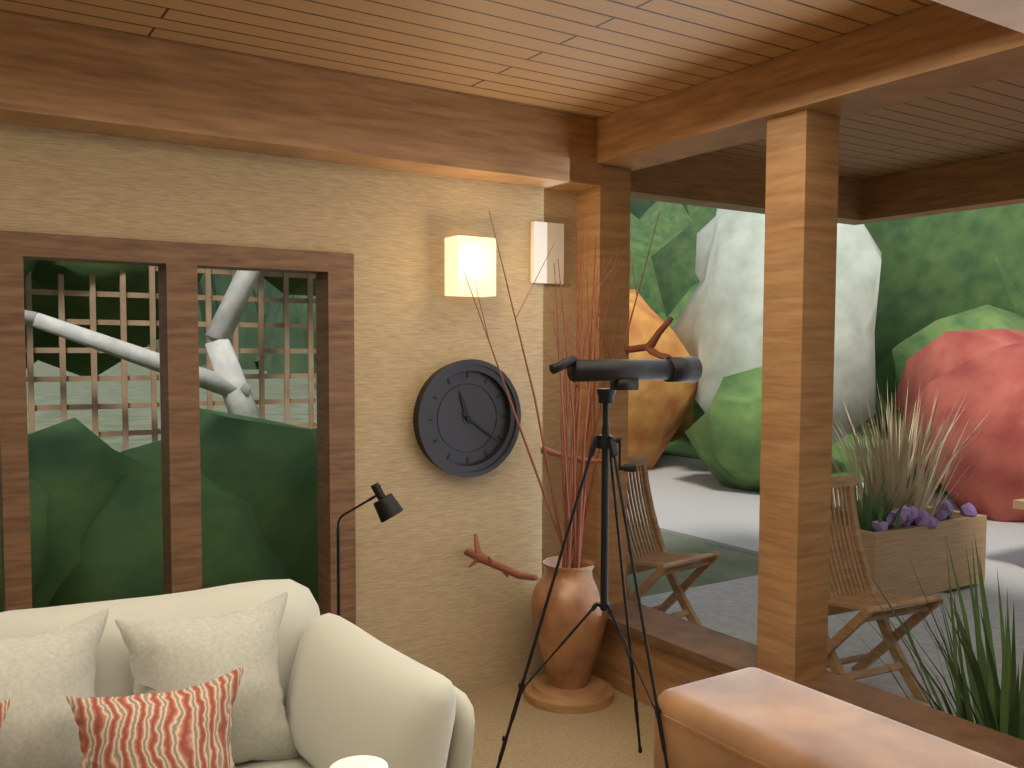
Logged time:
11h21
